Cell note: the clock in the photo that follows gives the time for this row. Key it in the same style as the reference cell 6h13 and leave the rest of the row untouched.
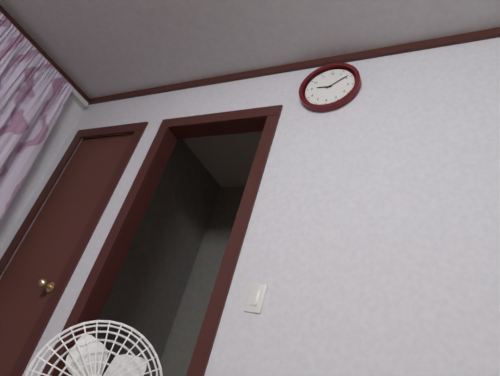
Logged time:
9h09
